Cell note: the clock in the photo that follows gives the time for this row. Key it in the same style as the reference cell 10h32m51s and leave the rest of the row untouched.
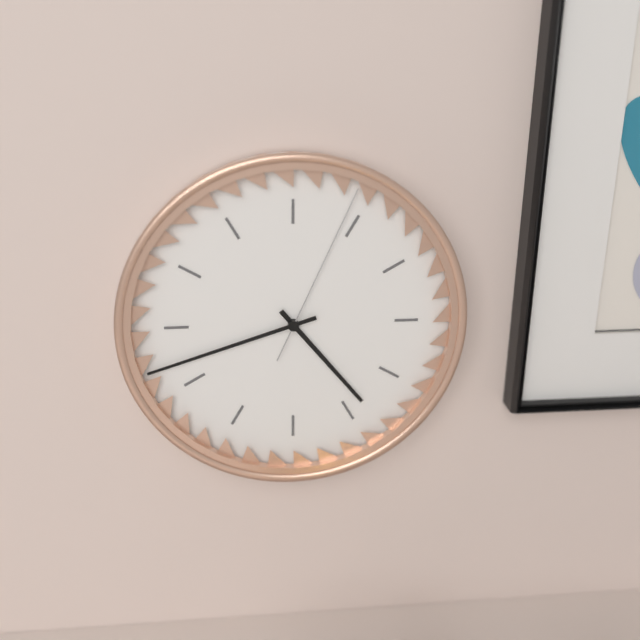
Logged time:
4h42m04s
